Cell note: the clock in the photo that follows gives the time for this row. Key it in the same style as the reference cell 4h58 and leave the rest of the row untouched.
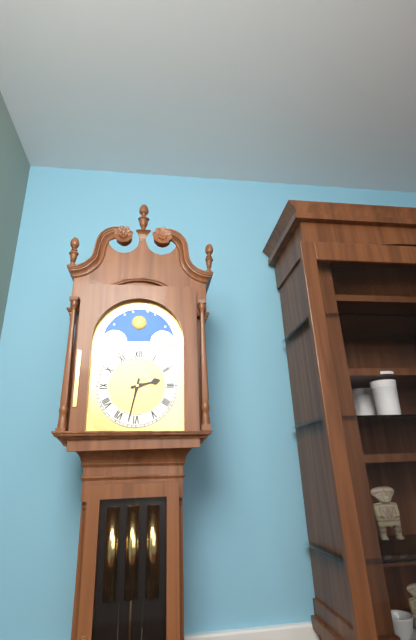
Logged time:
2h32
